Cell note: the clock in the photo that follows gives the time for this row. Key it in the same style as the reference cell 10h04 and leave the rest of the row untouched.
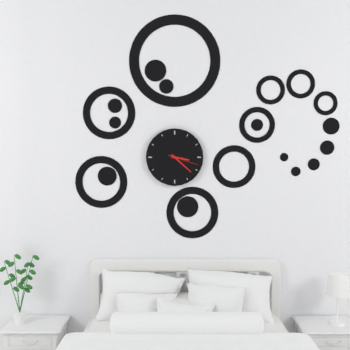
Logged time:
3h22
